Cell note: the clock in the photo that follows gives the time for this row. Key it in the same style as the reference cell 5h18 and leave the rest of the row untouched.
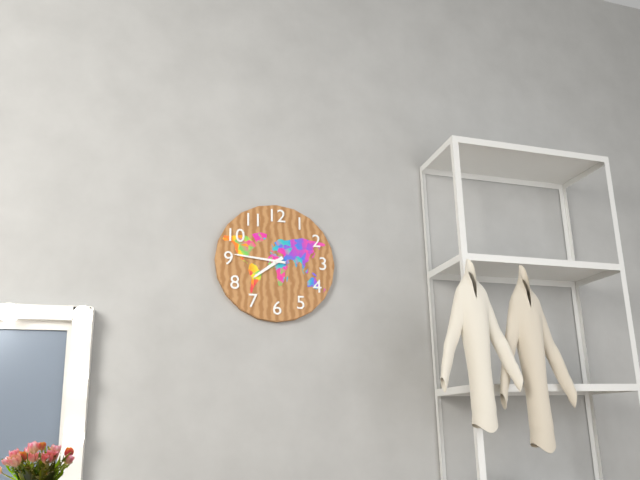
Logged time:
7h46
